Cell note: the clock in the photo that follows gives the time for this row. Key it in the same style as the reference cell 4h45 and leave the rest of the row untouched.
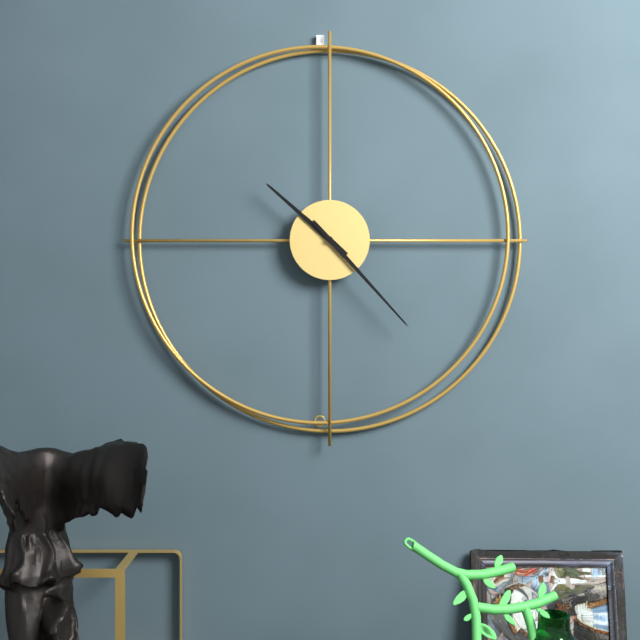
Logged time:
10h23
